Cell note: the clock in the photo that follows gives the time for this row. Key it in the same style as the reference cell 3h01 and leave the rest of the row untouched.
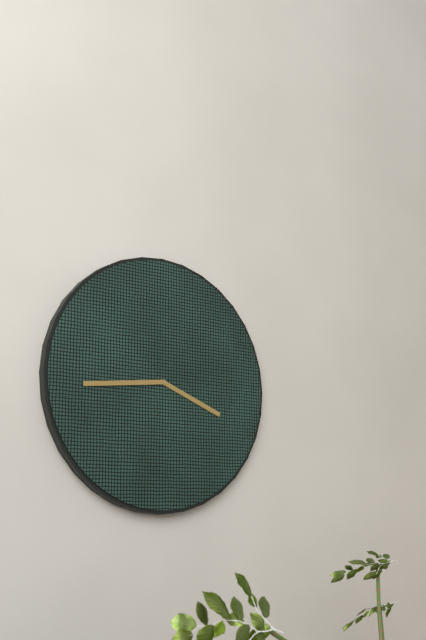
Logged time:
3h44
